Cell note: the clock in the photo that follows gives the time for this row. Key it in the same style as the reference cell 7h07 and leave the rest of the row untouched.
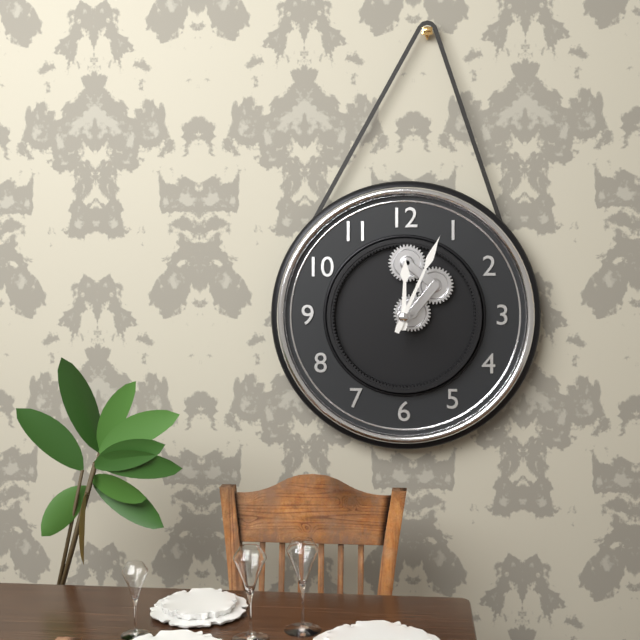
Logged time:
12h04
